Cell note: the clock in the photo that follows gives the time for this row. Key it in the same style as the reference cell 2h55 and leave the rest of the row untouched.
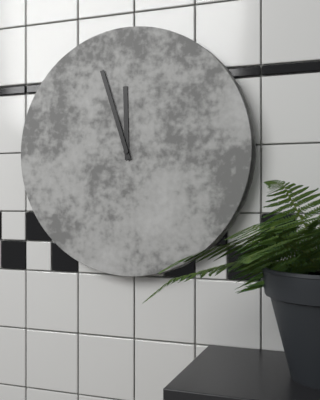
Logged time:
11h57
